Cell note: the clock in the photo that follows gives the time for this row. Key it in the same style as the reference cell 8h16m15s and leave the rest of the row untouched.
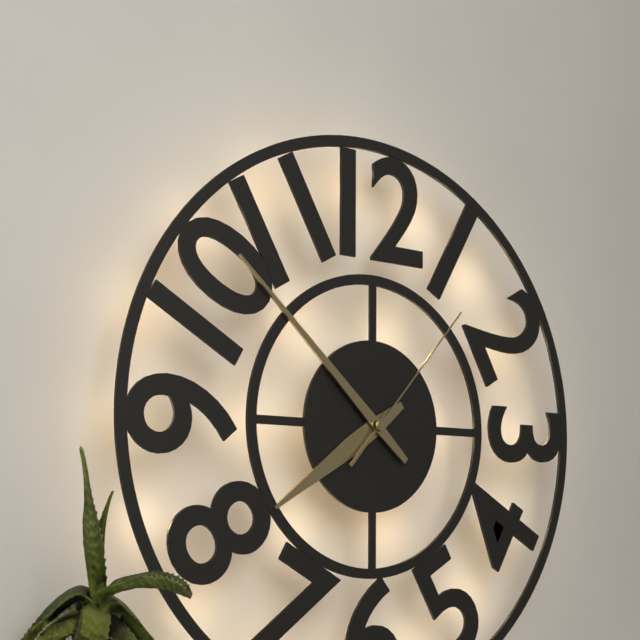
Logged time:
7h52m07s
